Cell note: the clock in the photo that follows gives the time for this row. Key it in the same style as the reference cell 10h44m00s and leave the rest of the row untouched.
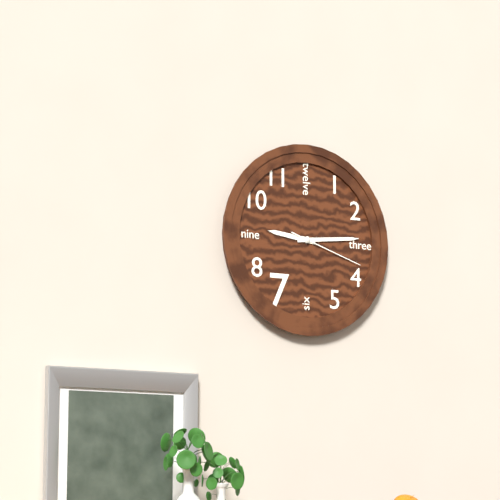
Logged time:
9h14m18s
